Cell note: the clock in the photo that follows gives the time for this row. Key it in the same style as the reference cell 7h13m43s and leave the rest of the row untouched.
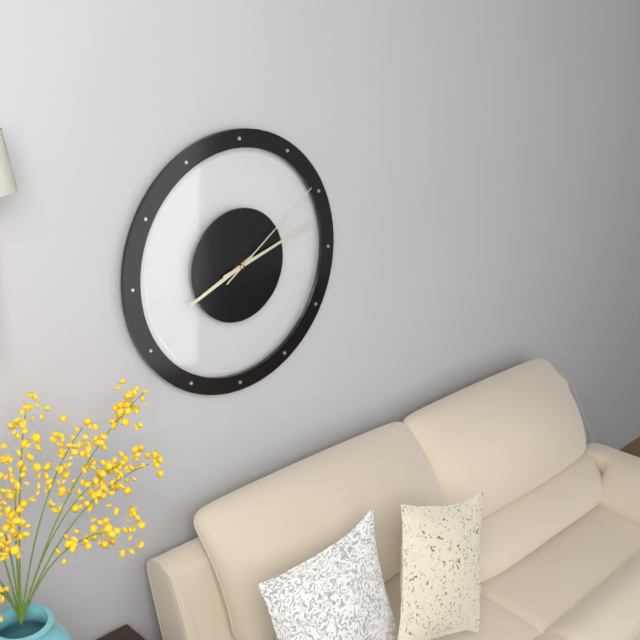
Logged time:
8h12m09s
